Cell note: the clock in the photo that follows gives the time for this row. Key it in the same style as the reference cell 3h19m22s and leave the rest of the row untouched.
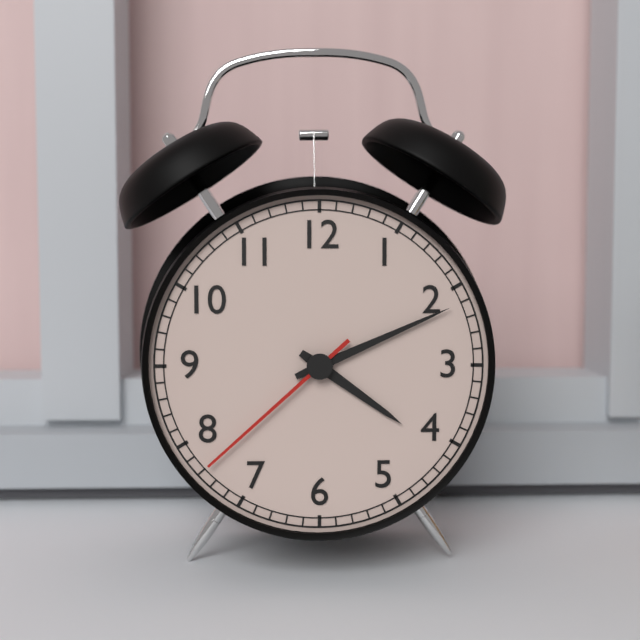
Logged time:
4h11m38s
